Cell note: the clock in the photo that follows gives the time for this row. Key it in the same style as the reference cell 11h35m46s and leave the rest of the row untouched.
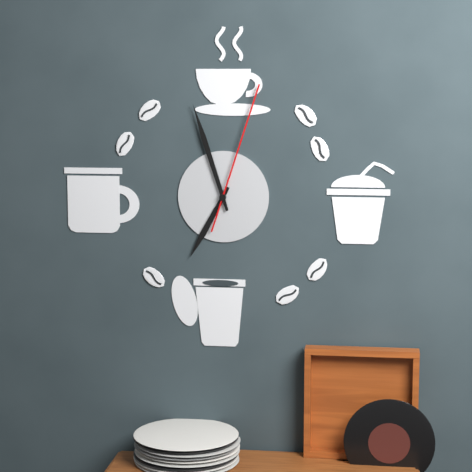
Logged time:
6h57m03s
